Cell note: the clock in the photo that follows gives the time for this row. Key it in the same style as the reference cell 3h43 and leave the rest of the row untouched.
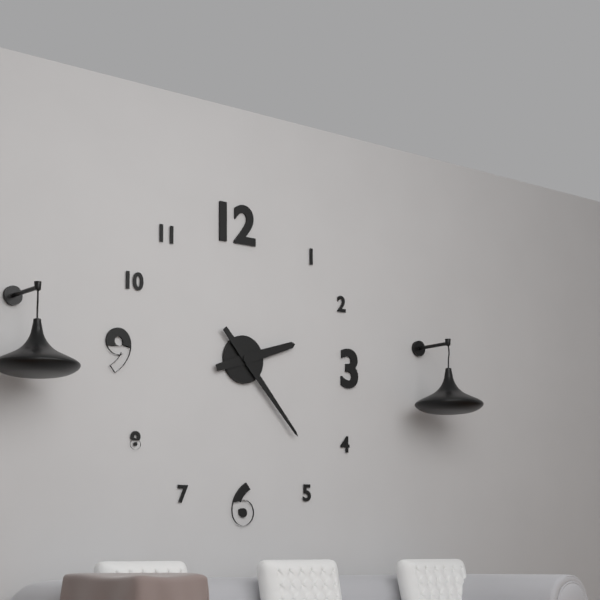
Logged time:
2h23
